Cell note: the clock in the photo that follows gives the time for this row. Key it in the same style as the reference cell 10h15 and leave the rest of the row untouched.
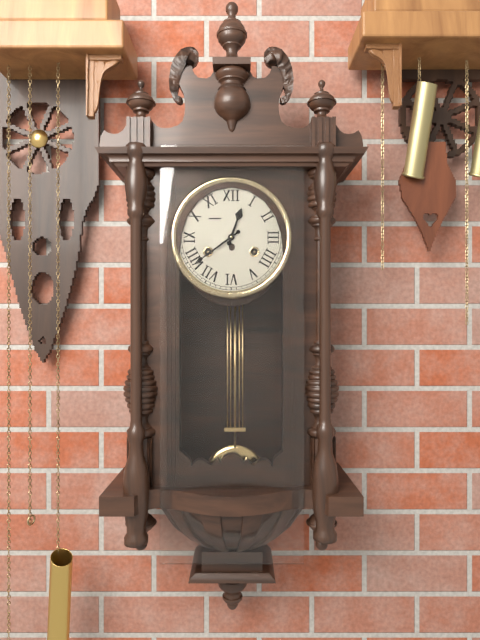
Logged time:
12h39
